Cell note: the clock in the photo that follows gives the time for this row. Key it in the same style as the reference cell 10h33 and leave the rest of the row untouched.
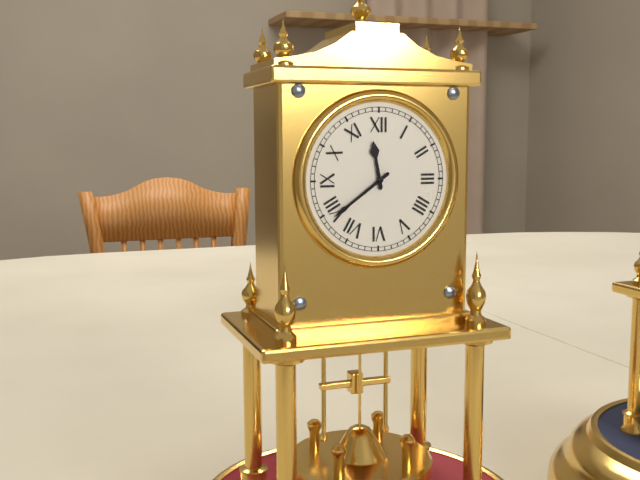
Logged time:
11h39
